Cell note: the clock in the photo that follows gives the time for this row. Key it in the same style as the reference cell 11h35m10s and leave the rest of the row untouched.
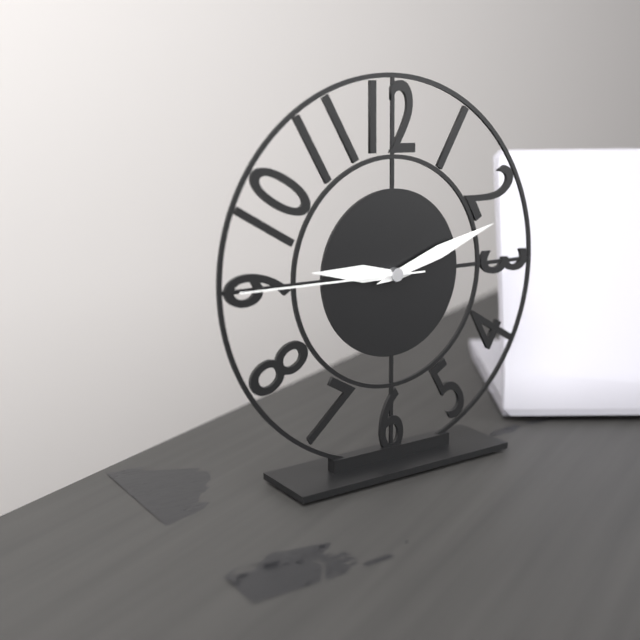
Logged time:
9h12m45s
